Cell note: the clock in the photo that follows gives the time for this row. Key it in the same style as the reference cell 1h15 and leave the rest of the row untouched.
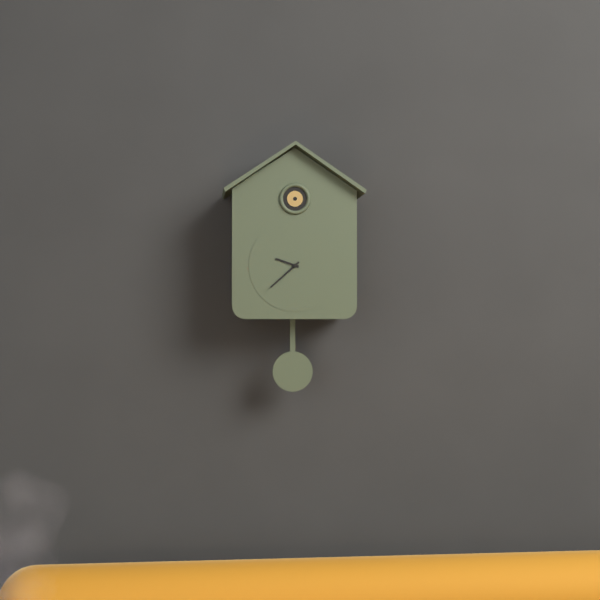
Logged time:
9h38
